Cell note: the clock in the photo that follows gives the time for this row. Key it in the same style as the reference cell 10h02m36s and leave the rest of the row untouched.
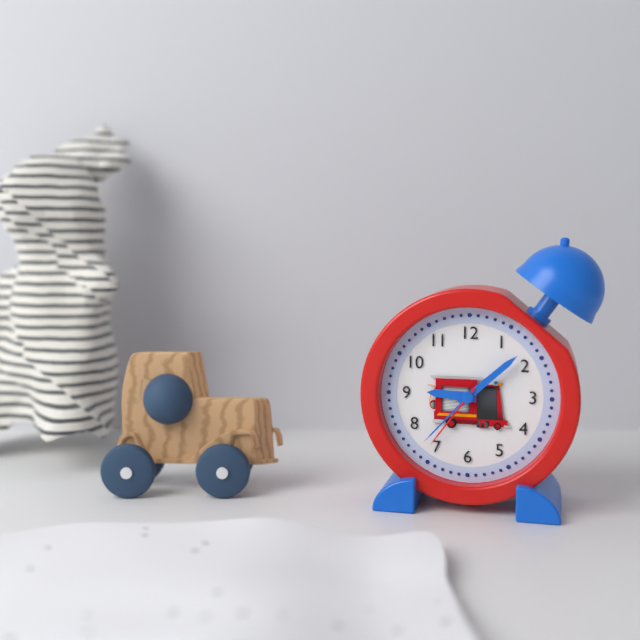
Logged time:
9h08m36s
